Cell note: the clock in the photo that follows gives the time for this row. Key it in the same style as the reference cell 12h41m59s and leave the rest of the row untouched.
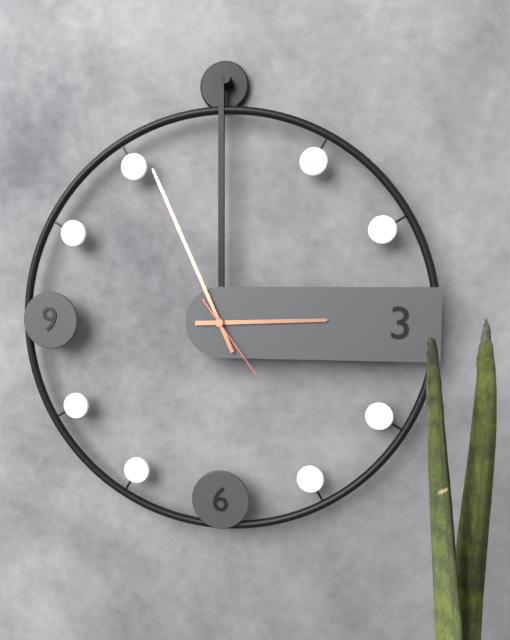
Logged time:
2h56m24s
